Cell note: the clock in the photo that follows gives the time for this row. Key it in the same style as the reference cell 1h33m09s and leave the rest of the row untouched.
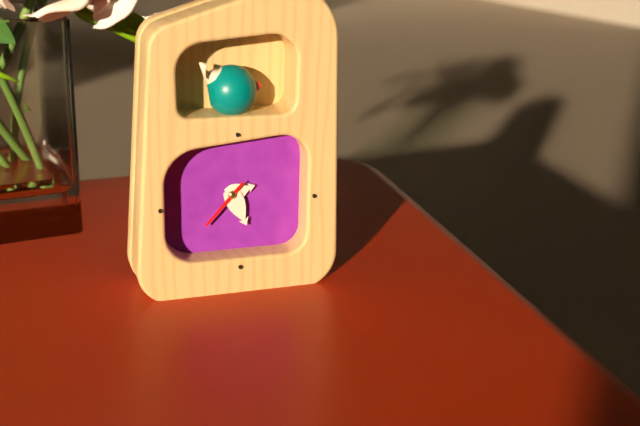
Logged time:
2h26m37s
